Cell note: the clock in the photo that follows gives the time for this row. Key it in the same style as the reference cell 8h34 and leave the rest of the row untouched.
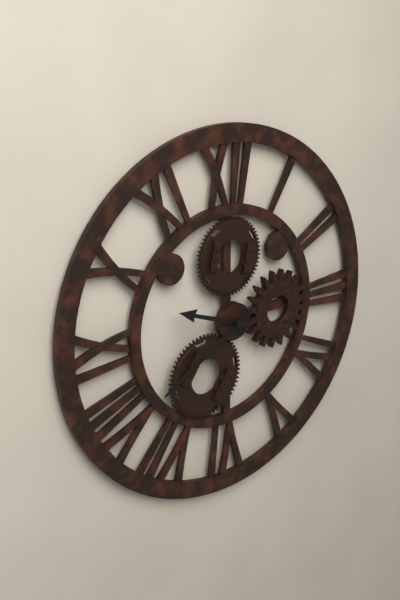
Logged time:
9h40
